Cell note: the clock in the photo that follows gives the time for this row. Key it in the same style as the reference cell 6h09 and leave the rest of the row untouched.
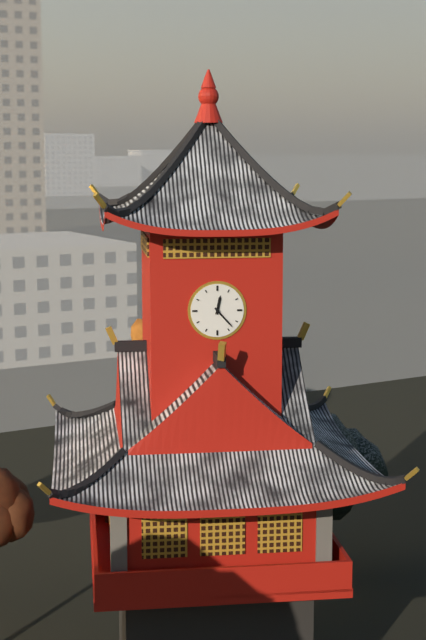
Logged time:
12h23
